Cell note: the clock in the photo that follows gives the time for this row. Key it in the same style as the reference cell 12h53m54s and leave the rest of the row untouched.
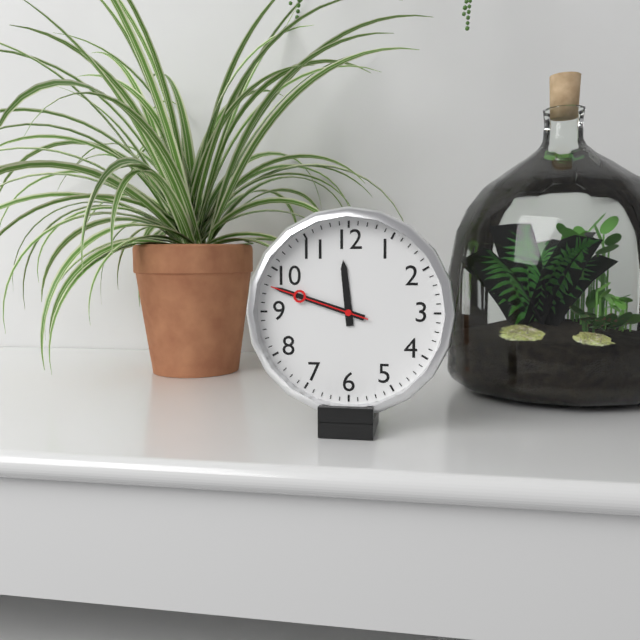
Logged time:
11h48m48s
